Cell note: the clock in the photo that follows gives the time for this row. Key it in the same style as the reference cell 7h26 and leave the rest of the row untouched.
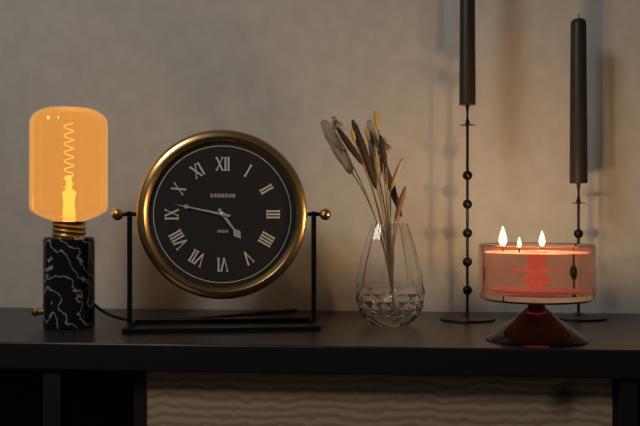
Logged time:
4h47
